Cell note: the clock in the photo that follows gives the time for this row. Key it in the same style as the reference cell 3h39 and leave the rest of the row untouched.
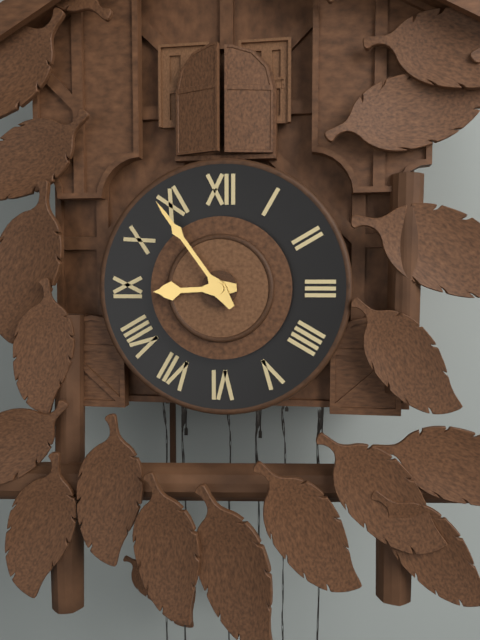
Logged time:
8h54
